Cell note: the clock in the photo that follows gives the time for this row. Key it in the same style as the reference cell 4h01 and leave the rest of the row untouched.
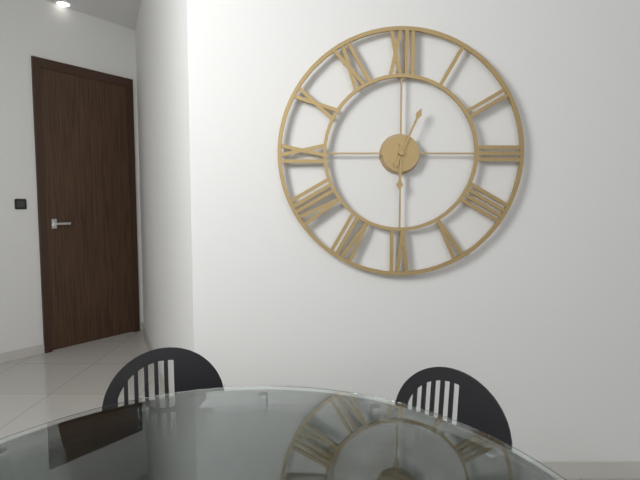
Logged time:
6h04
